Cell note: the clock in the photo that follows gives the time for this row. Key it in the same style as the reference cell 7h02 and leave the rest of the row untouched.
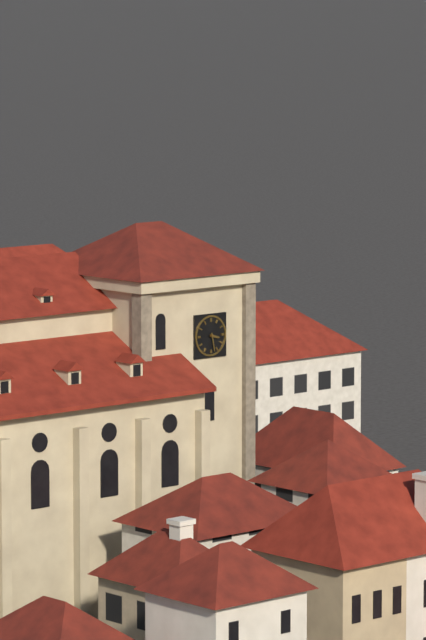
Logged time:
3h28
